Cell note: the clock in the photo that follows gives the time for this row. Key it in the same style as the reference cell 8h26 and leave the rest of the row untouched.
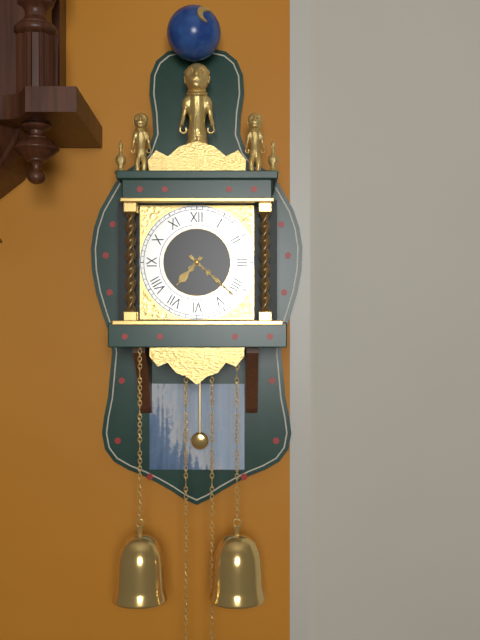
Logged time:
7h22
